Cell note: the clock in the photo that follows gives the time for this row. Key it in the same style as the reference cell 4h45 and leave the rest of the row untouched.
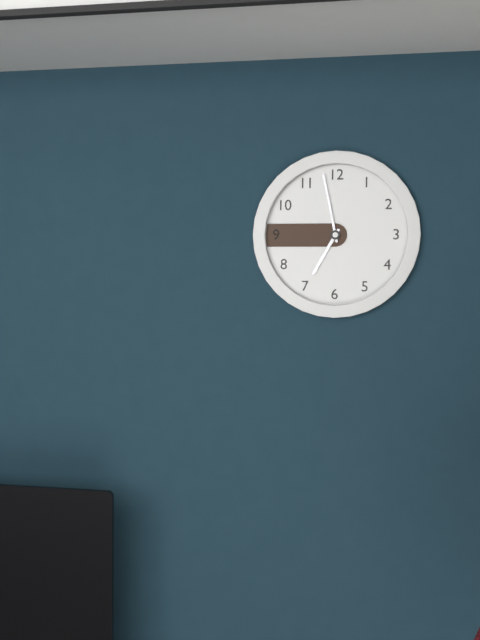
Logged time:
6h58
